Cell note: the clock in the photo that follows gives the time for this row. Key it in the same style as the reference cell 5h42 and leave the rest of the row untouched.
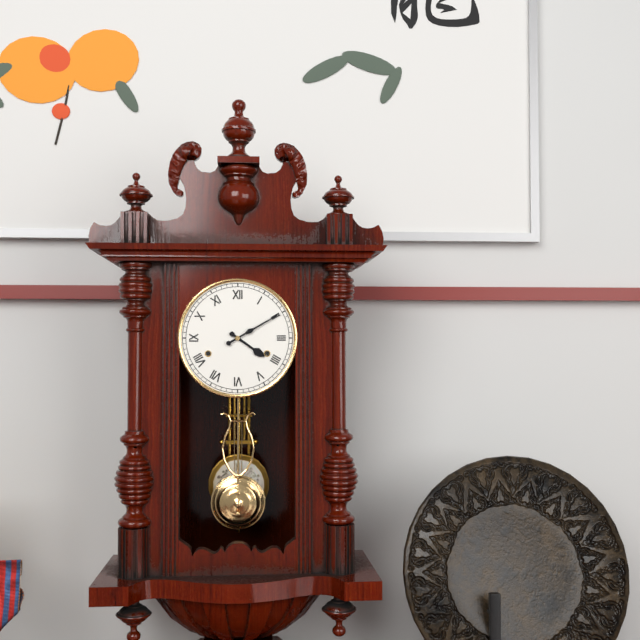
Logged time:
4h10
